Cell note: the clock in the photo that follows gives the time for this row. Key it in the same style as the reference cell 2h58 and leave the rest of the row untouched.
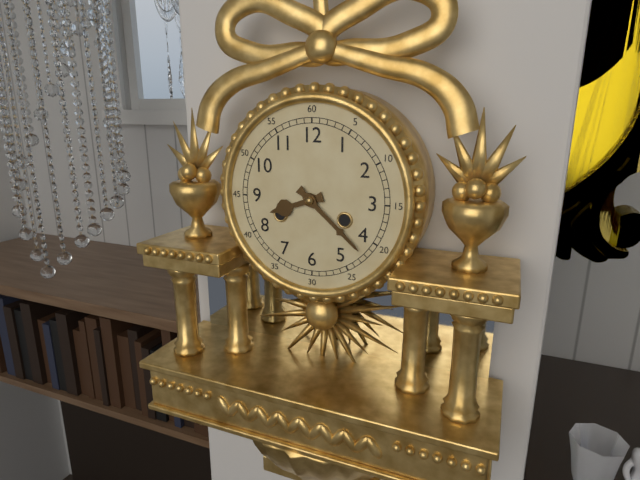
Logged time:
8h22
